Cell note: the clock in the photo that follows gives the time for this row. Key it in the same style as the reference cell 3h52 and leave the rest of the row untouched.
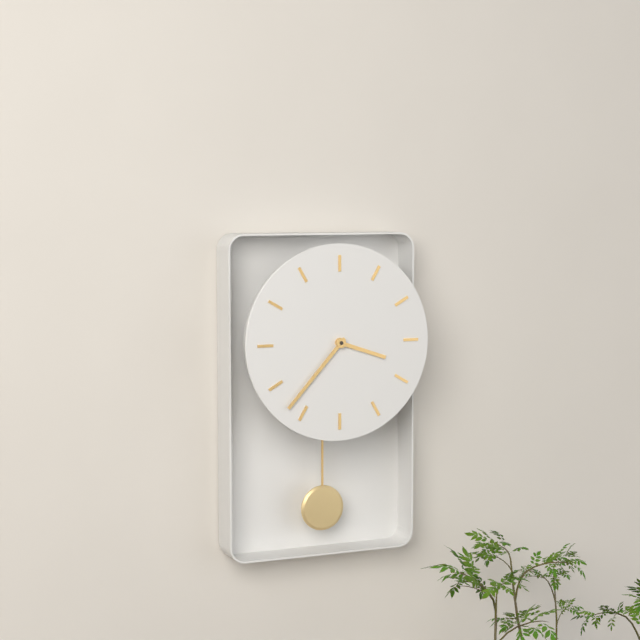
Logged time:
3h37
